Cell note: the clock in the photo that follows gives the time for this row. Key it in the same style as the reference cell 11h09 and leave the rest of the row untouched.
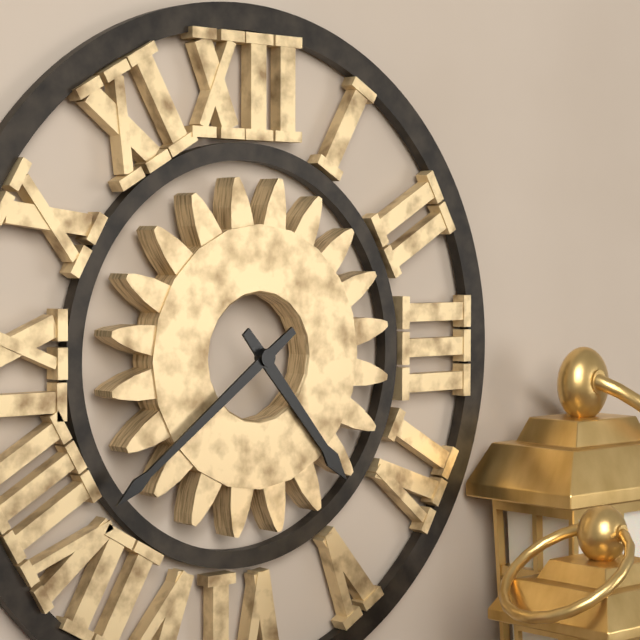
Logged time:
4h39
